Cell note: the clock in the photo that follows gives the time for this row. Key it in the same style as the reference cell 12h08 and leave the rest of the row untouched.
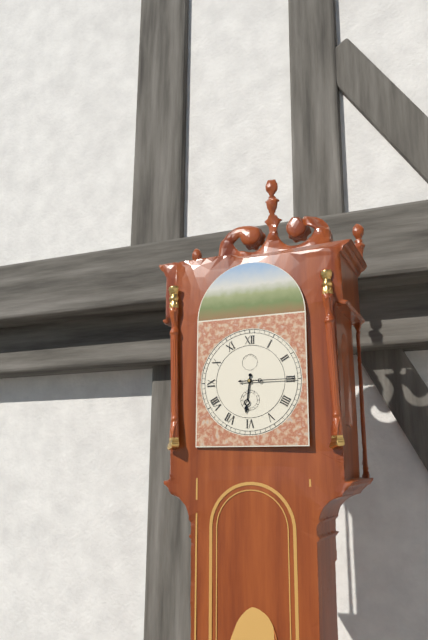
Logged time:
6h15
